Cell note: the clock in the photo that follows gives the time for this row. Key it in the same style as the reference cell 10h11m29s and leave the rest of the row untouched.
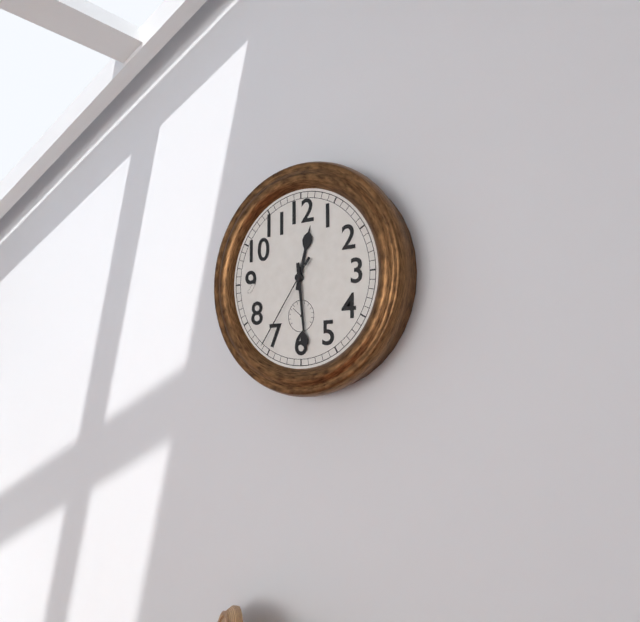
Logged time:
12h29m36s
